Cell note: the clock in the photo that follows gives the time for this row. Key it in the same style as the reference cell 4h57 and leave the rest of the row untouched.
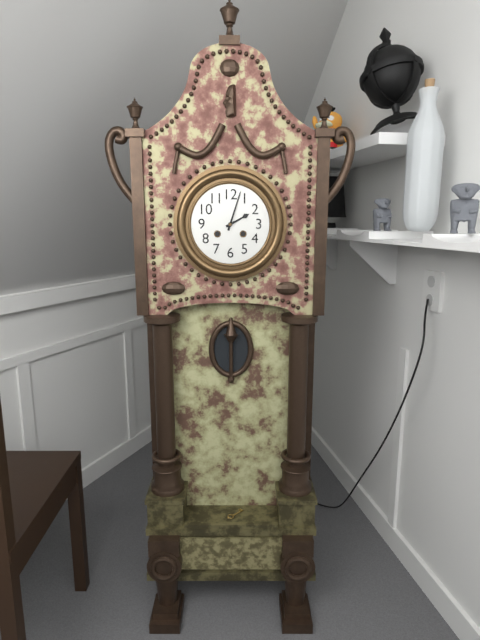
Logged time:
2h03
